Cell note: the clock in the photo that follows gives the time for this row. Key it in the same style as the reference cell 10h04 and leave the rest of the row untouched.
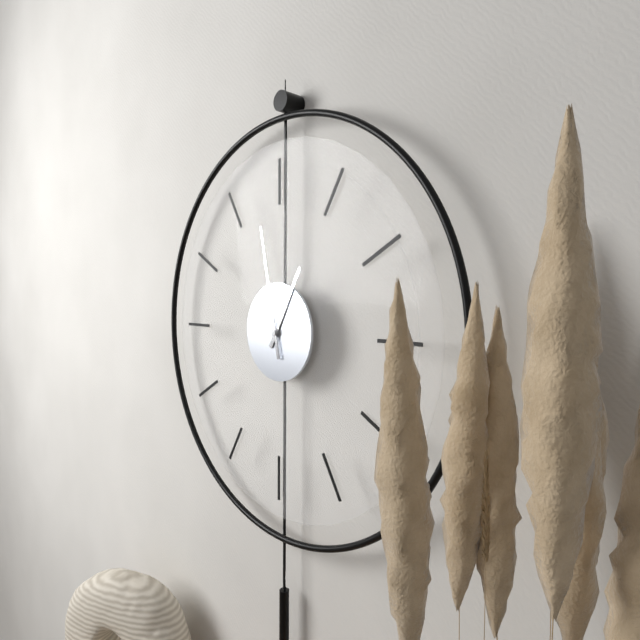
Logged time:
12h58
